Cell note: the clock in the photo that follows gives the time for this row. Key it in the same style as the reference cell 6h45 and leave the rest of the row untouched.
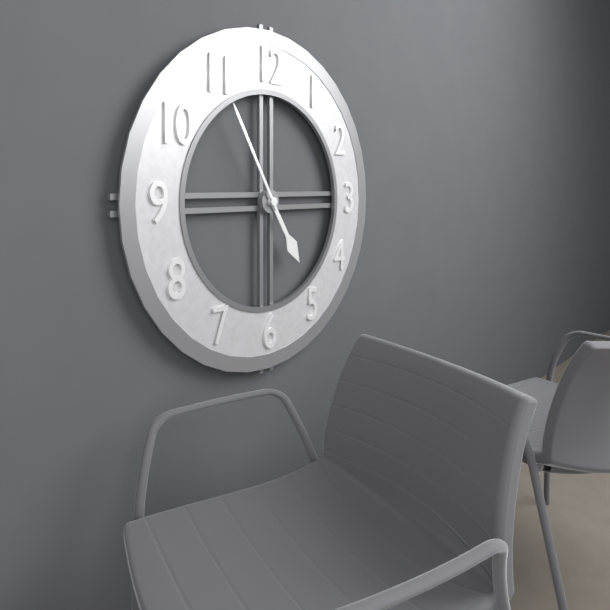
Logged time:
4h55
